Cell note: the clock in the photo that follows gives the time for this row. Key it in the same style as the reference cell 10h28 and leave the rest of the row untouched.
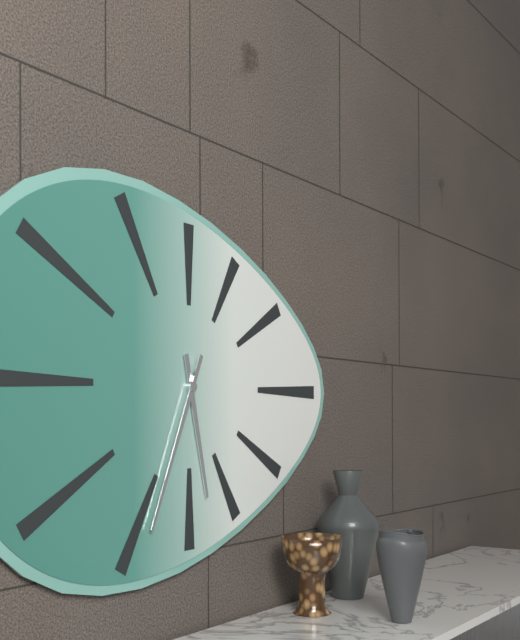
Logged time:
5h34
